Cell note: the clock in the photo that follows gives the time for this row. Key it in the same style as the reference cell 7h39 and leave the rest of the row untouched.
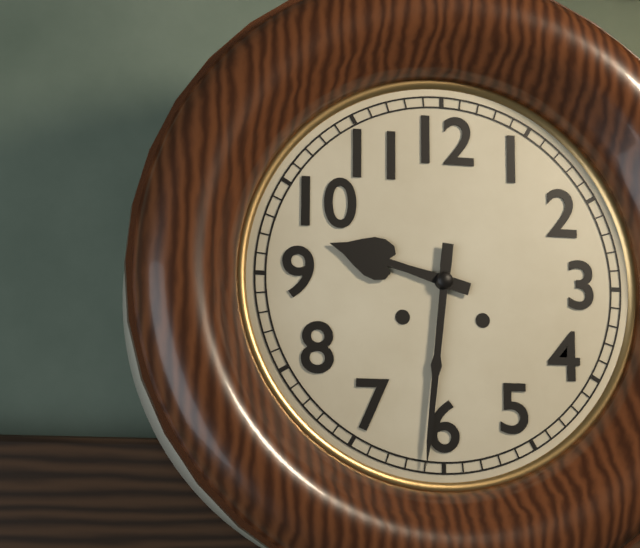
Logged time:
9h31
